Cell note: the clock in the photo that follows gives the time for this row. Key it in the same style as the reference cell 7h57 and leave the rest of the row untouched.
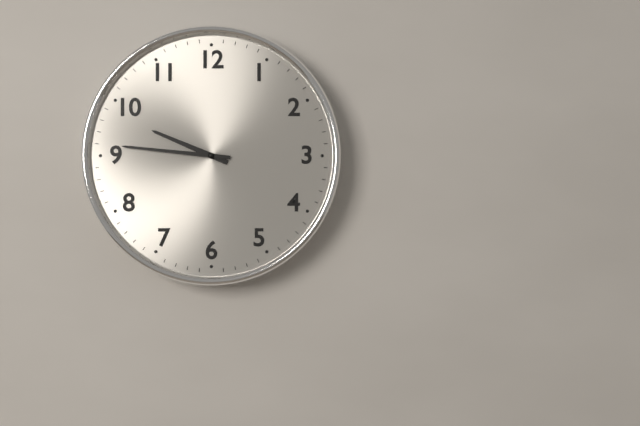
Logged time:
9h46
